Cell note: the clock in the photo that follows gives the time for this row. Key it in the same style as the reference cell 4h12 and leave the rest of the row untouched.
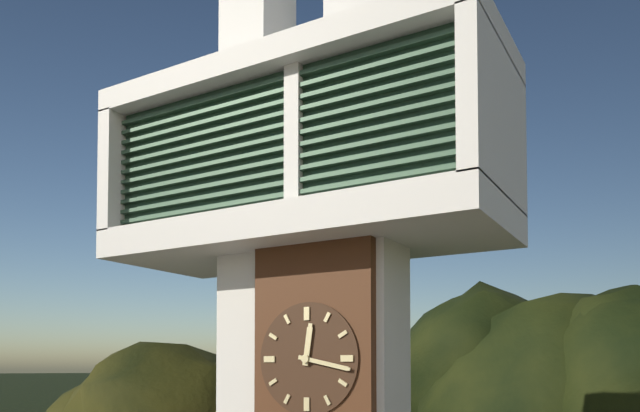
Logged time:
12h17
